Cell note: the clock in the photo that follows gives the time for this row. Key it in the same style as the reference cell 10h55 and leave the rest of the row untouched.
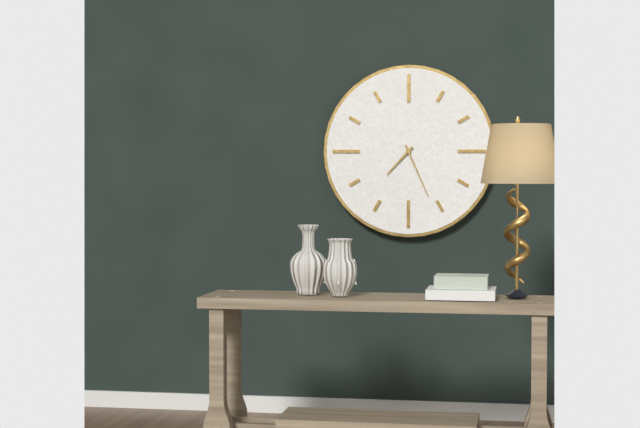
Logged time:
7h26
